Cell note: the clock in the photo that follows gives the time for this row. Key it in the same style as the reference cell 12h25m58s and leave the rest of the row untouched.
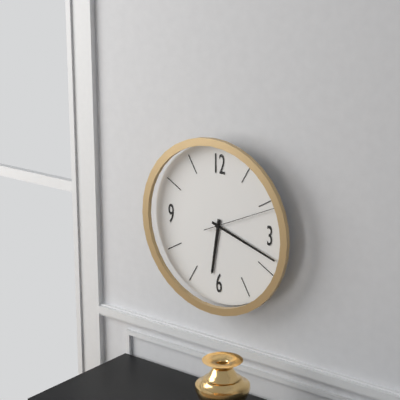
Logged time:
6h18m11s
